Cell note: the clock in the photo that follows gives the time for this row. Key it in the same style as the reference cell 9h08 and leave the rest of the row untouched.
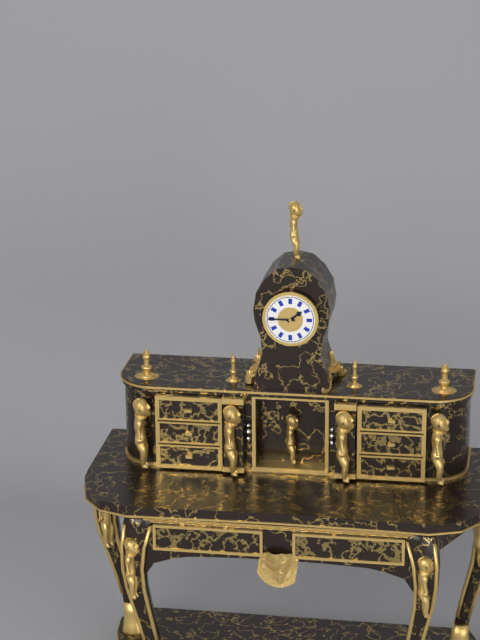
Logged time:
1h45
